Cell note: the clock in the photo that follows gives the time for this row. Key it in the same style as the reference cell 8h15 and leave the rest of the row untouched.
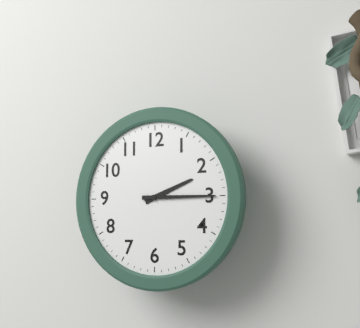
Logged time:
2h15
